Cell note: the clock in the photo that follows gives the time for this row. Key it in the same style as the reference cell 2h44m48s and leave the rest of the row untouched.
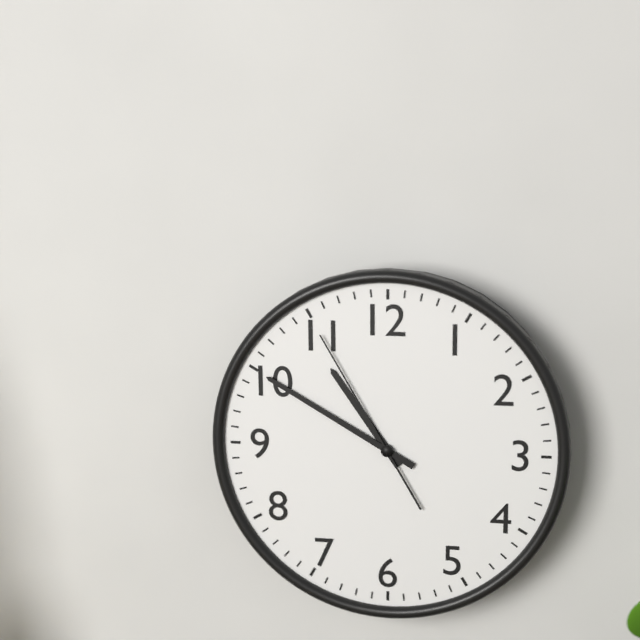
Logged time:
10h50m55s
